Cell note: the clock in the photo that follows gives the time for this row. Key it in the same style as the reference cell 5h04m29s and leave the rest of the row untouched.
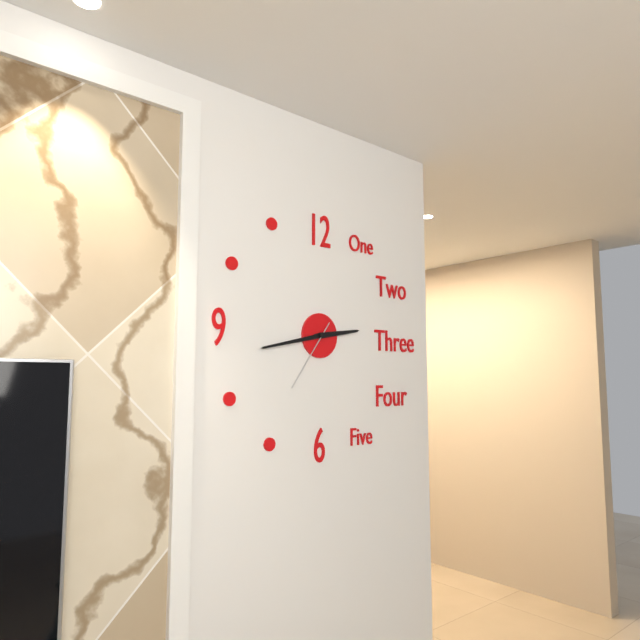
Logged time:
2h43m36s
